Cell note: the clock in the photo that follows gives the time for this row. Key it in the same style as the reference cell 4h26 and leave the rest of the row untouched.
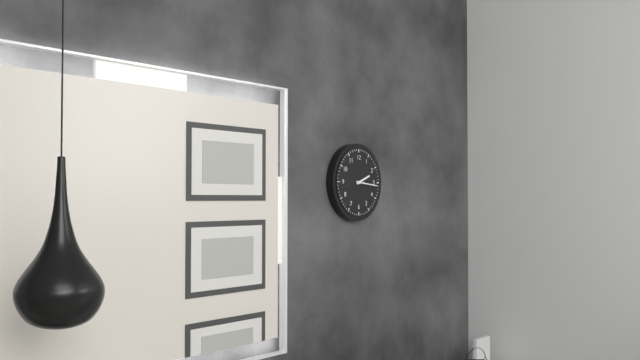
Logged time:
2h16
